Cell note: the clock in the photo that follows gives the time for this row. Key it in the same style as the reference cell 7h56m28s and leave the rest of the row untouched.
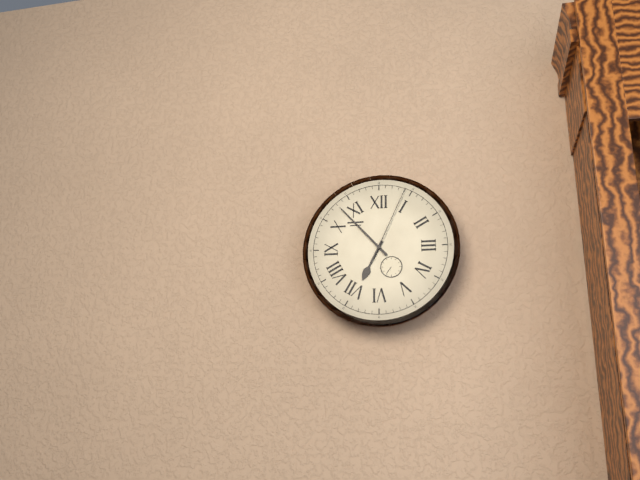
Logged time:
6h53m04s
